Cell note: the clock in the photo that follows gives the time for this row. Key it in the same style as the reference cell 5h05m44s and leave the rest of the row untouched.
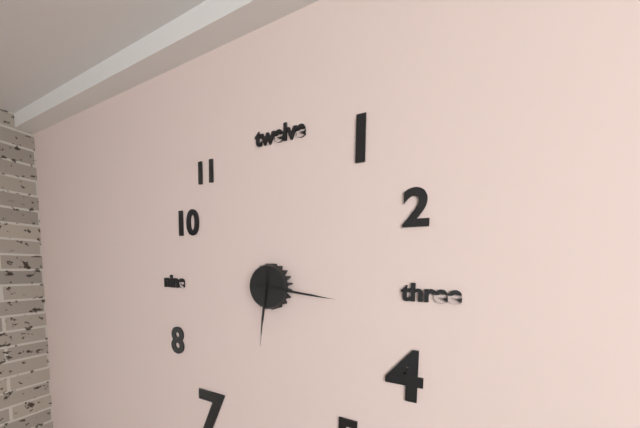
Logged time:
6h16m31s
